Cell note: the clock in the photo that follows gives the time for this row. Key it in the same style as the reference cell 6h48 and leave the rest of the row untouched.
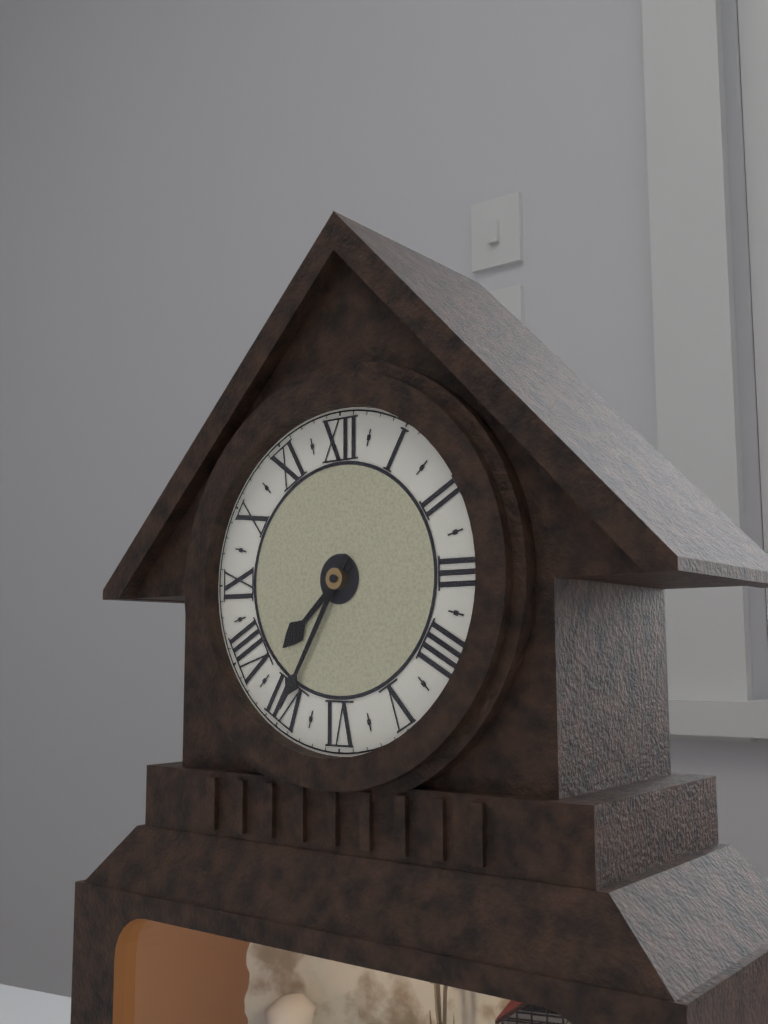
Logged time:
7h35
